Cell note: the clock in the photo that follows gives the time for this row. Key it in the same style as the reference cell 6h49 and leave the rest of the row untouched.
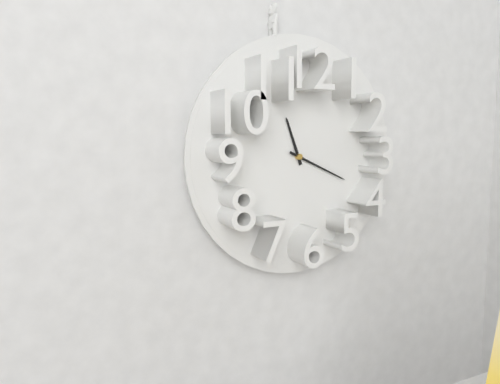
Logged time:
11h19
